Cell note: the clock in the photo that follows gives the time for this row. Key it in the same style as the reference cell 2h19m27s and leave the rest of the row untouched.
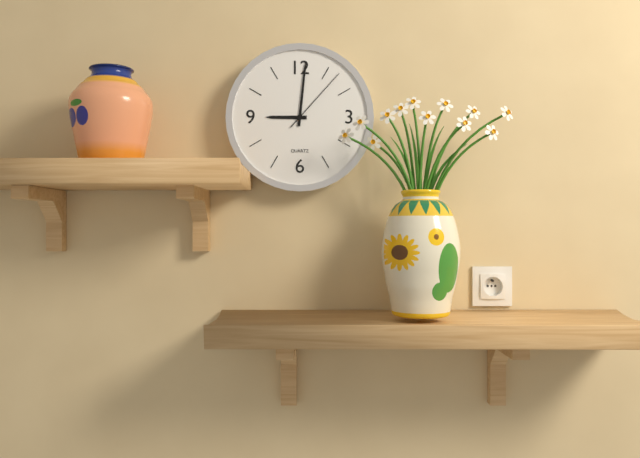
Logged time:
9h01m07s
